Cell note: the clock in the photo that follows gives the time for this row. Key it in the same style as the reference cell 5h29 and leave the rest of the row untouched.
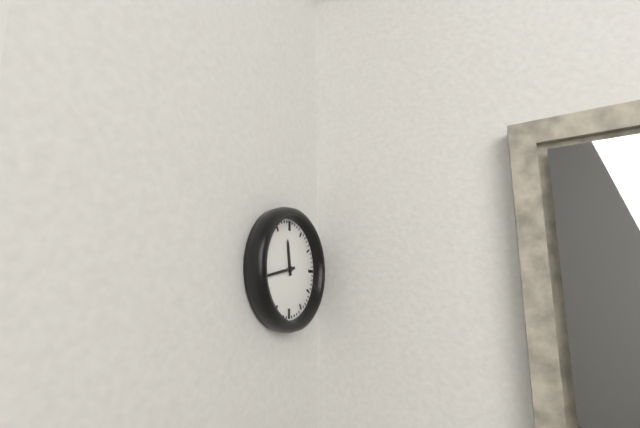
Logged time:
11h43
